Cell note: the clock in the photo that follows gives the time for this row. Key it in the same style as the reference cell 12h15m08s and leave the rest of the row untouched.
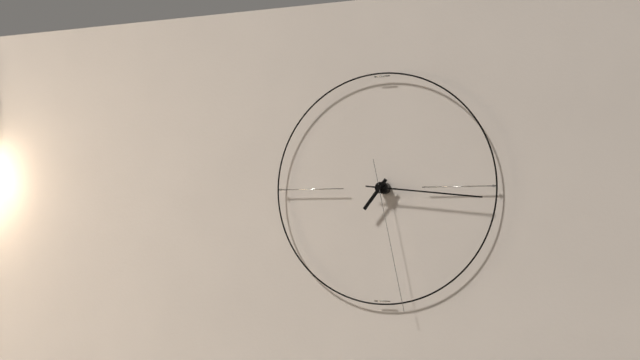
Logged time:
7h16m28s
